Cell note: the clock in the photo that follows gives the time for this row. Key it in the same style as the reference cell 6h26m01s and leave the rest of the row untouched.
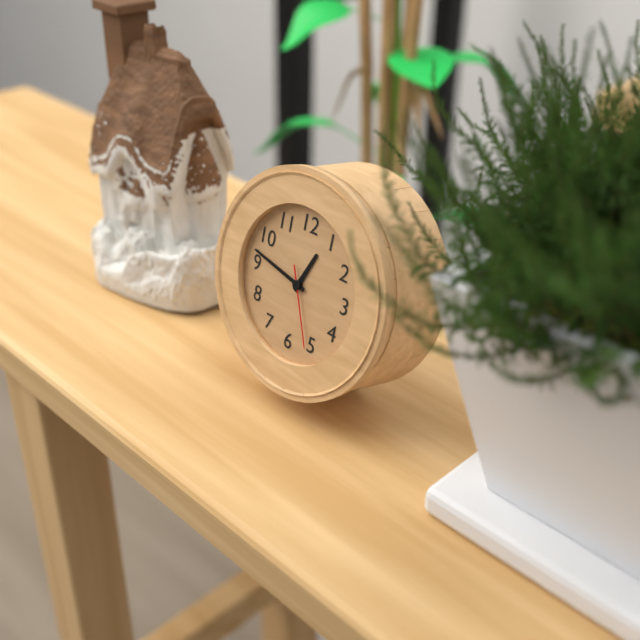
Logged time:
12h47m26s
